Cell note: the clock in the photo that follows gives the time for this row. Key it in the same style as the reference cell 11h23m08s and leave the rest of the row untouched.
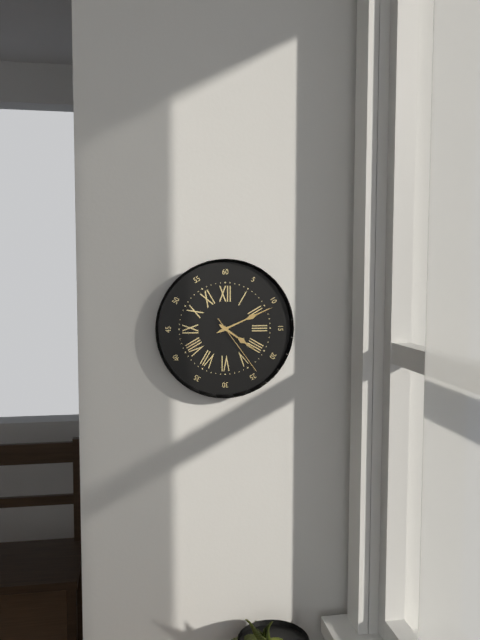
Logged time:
4h11m24s
